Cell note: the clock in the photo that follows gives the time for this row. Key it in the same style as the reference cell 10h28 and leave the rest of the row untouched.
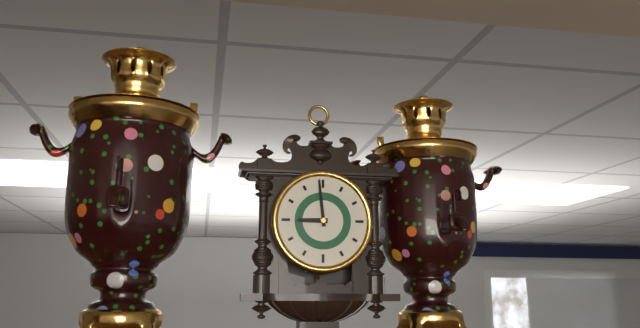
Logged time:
8h59
